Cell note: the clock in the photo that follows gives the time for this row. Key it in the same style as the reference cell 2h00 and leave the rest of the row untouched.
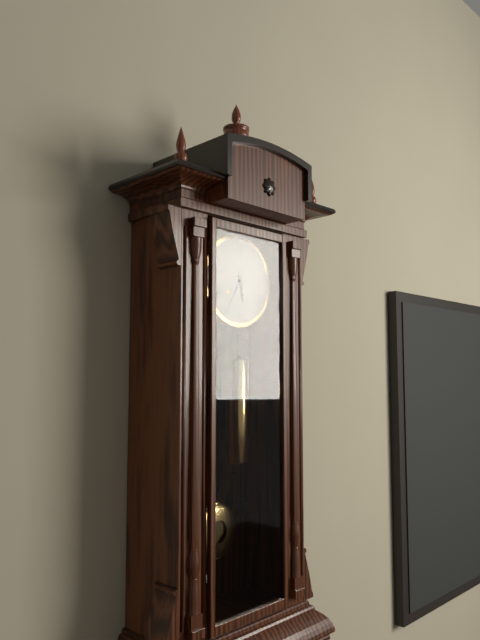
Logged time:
5h35
